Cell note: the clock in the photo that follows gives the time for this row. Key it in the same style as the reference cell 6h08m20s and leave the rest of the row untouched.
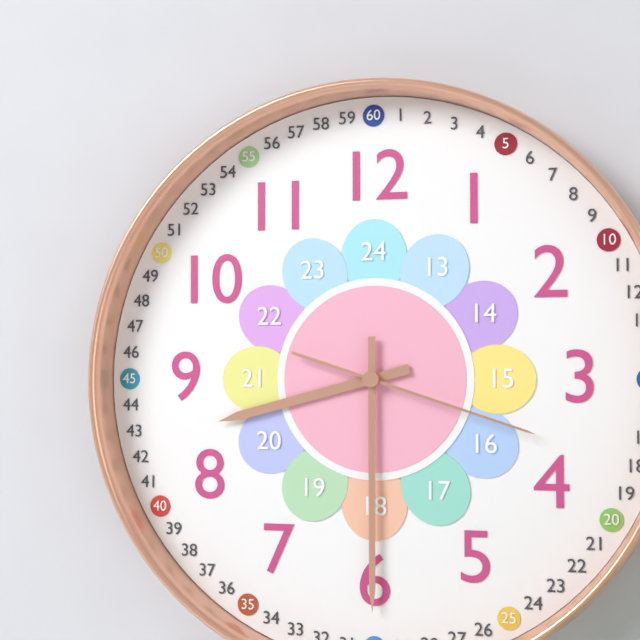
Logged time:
8h30m18s
